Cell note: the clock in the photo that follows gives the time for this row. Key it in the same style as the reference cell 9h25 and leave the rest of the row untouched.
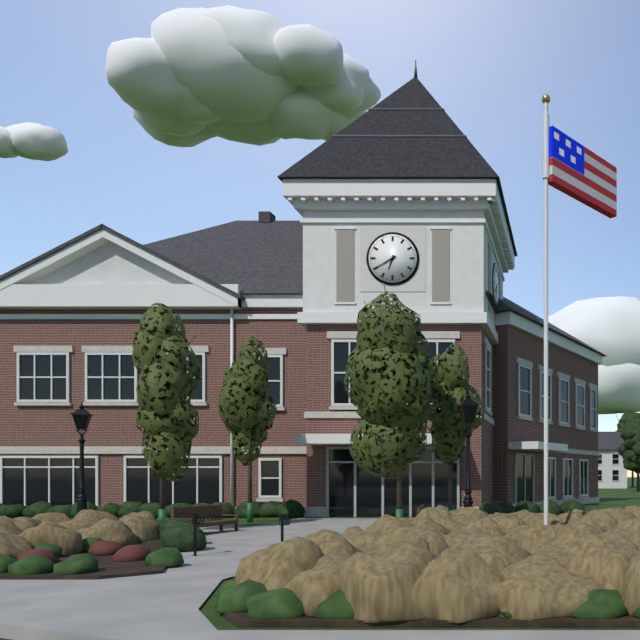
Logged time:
6h40
